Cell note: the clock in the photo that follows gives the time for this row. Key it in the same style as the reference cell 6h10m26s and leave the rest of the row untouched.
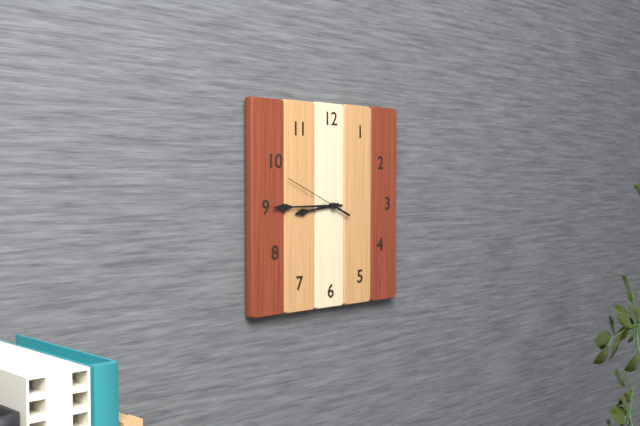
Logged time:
8h45m49s
